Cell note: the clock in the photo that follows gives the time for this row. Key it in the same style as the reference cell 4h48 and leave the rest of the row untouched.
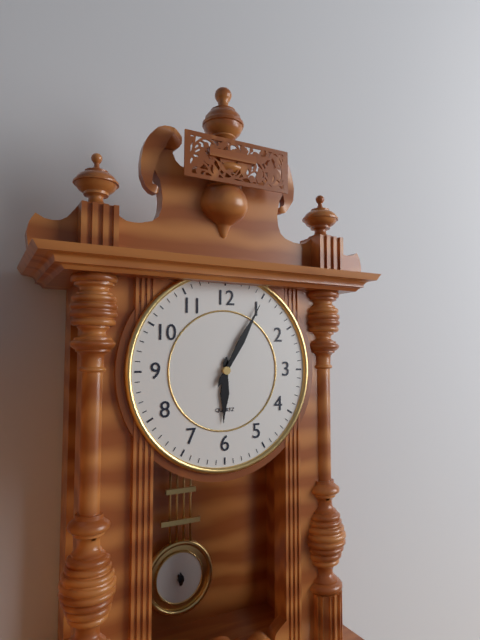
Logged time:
6h05
